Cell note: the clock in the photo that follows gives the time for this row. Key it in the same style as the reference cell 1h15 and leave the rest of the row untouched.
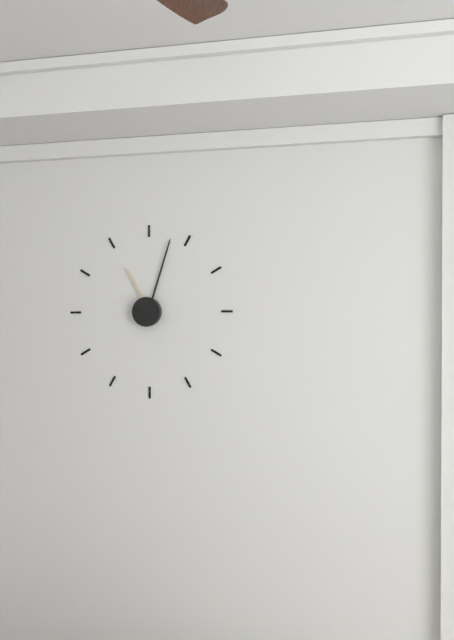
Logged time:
11h03
